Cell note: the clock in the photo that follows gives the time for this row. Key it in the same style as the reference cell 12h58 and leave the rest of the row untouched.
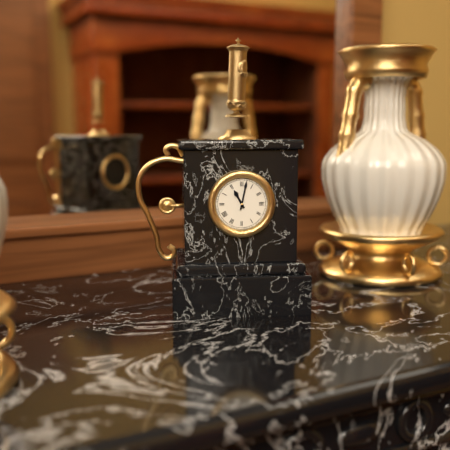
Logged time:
11h02
